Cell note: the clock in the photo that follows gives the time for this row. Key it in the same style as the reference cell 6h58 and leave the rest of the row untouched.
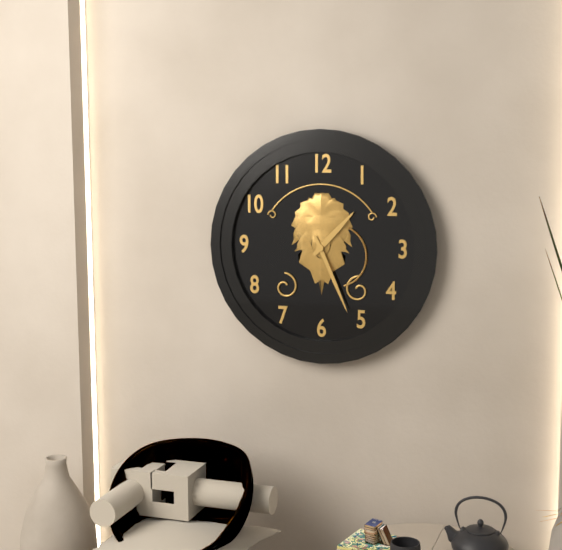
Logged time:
1h26
